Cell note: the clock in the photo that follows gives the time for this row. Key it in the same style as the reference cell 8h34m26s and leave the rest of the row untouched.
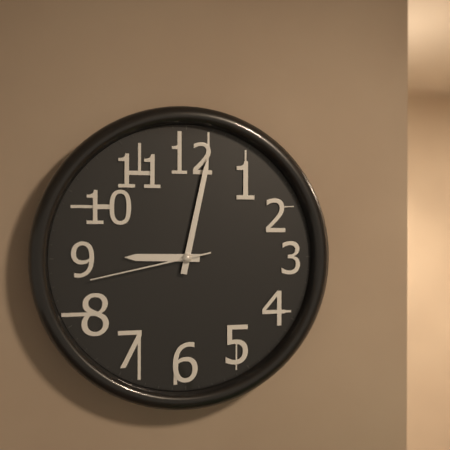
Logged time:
9h02m43s
